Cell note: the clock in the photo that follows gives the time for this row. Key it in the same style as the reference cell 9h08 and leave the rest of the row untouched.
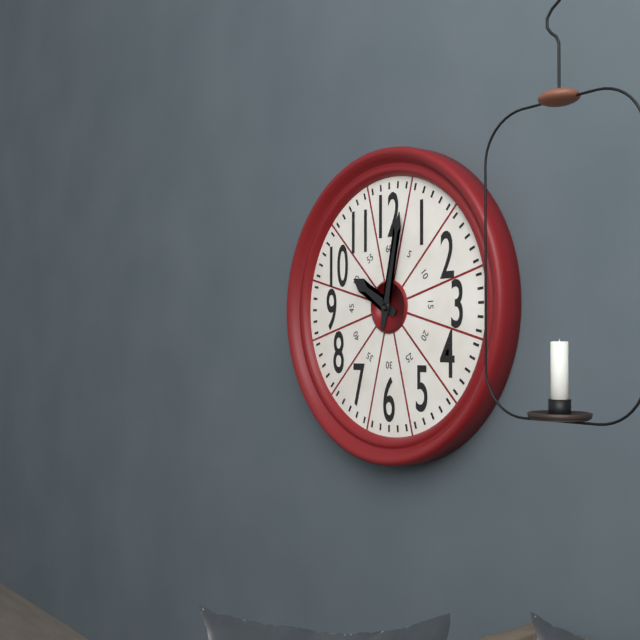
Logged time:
10h02
